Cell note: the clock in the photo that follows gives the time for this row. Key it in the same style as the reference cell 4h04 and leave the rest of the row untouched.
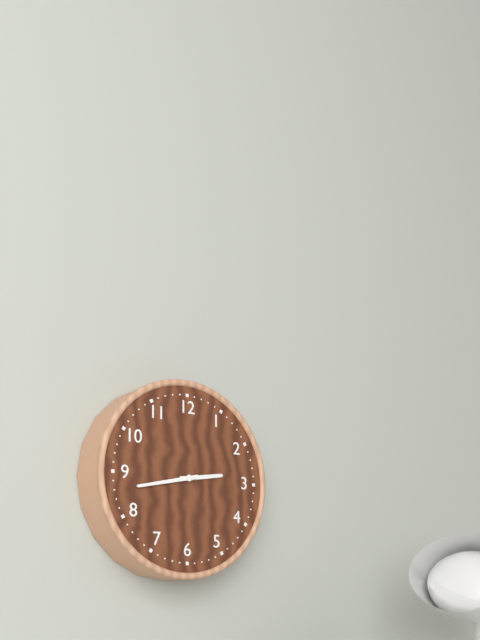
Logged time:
2h43
